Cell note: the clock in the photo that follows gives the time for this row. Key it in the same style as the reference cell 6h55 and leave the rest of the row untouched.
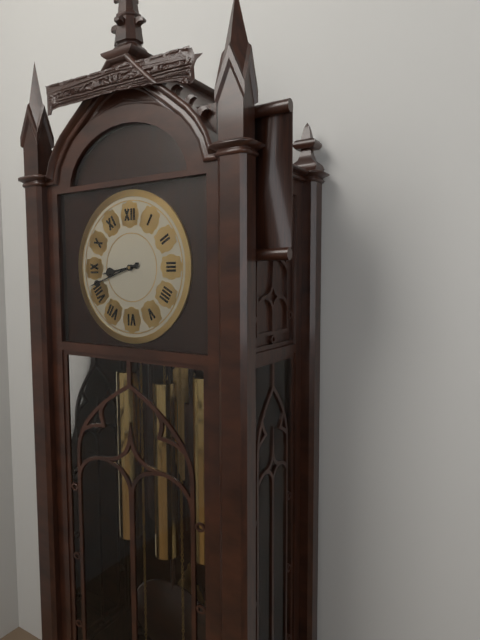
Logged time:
8h42
